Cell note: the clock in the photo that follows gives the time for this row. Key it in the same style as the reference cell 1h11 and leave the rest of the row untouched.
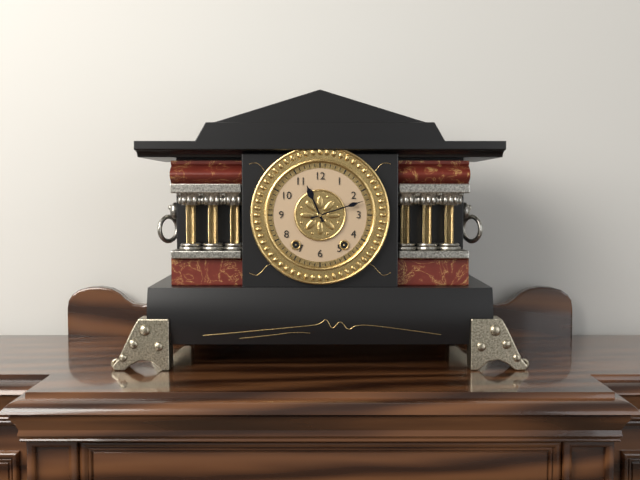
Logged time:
11h12
